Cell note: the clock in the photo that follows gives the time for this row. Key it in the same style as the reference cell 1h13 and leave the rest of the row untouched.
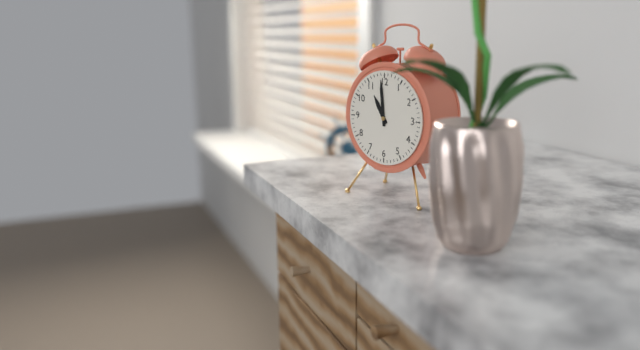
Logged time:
10h59
